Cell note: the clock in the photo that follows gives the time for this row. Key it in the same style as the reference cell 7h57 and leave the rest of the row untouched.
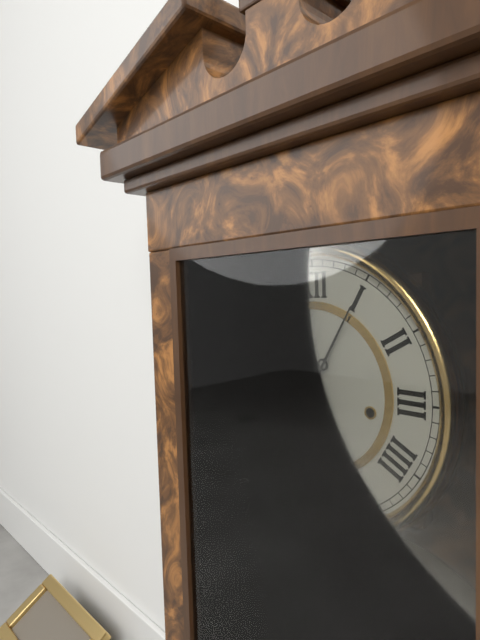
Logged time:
6h05
